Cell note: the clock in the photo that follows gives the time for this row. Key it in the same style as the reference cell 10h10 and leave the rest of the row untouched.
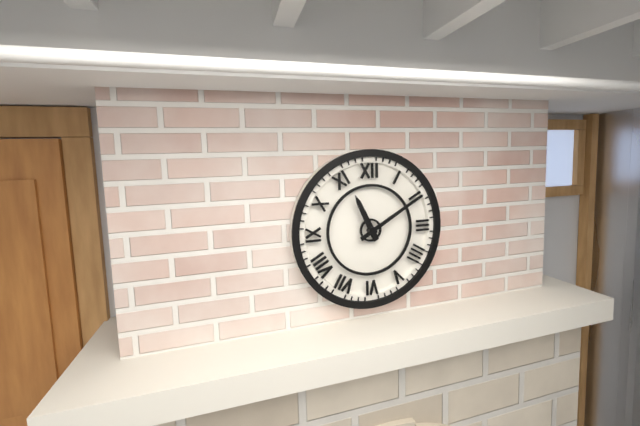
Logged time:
11h10
